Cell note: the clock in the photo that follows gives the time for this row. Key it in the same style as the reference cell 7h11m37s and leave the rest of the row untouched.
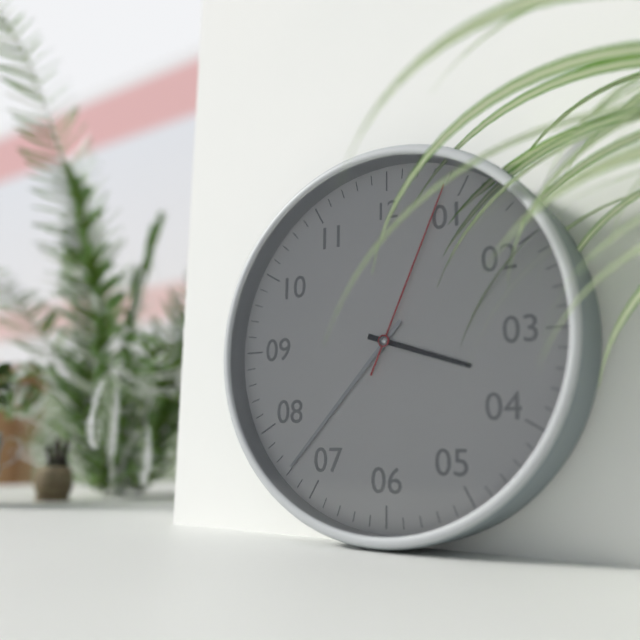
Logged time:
3h37m04s
